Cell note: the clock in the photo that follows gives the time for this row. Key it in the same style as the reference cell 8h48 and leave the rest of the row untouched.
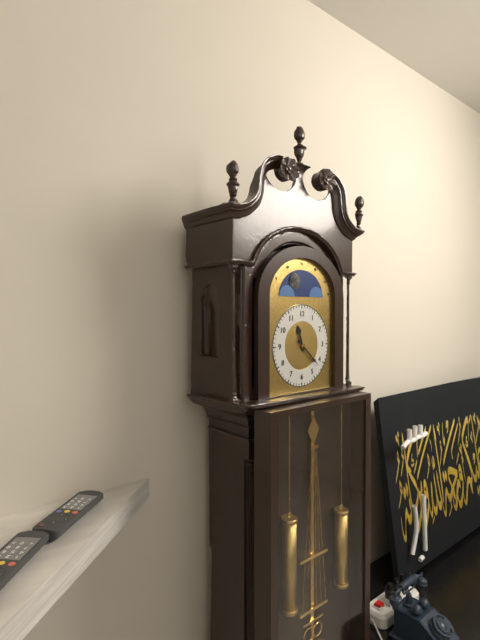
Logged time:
11h22
